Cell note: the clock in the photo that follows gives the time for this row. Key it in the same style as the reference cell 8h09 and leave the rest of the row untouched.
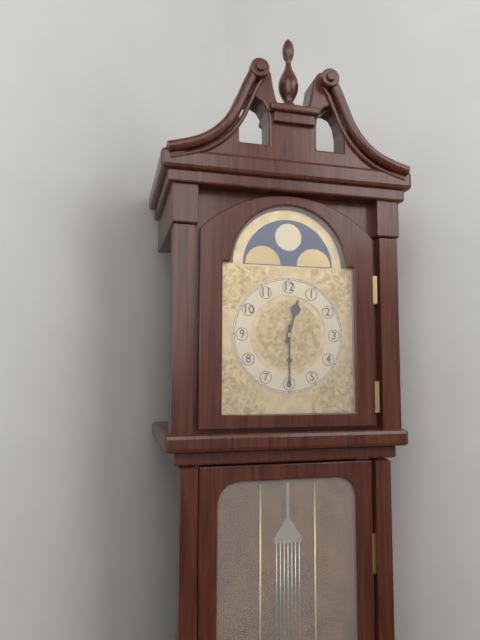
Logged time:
12h30
